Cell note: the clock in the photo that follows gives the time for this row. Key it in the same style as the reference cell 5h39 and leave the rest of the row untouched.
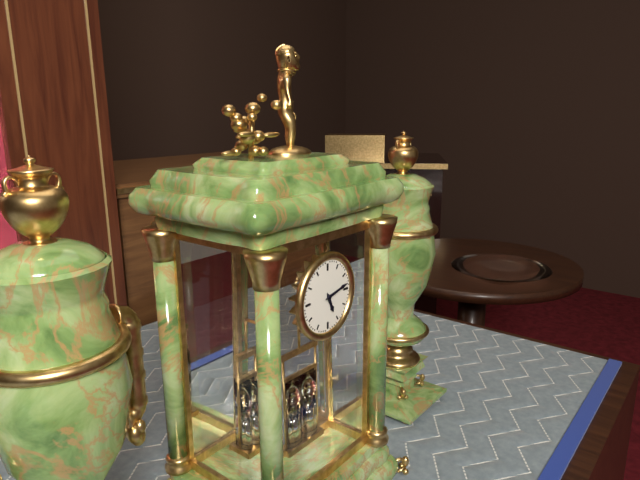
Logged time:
5h13
